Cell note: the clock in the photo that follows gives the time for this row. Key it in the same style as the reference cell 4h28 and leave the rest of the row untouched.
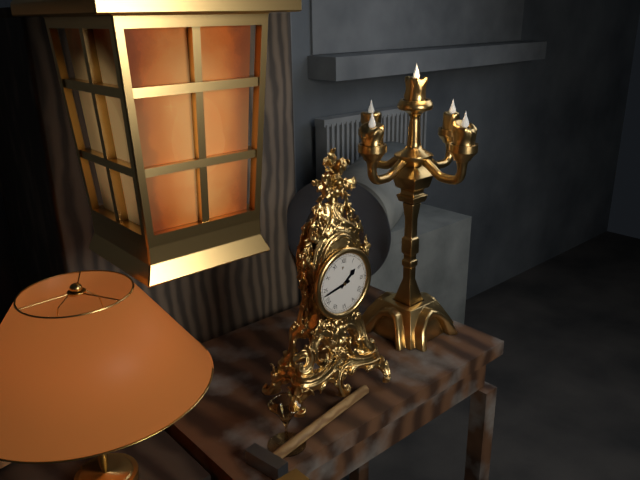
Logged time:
1h43
